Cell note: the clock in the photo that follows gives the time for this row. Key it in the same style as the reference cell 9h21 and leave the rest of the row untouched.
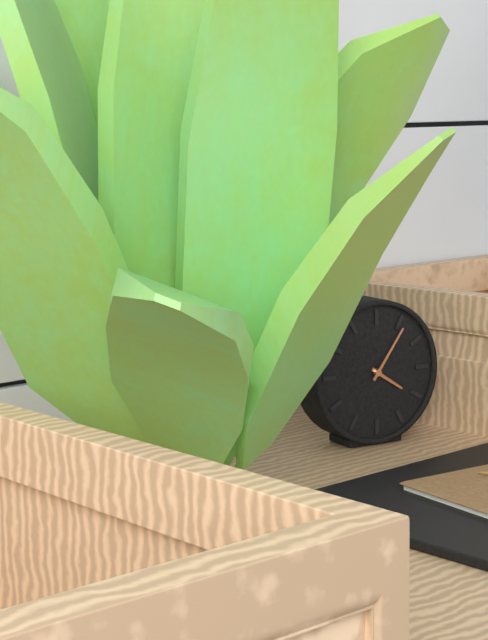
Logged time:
4h06
